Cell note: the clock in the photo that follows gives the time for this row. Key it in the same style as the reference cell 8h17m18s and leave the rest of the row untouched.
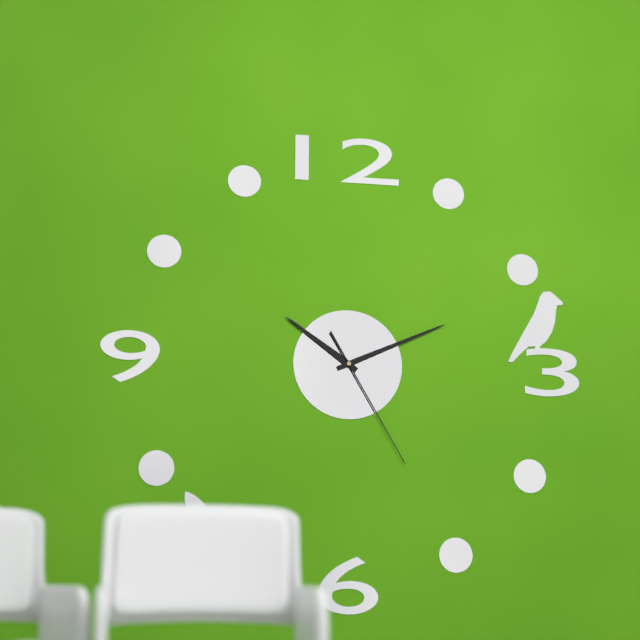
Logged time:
10h11m25s
